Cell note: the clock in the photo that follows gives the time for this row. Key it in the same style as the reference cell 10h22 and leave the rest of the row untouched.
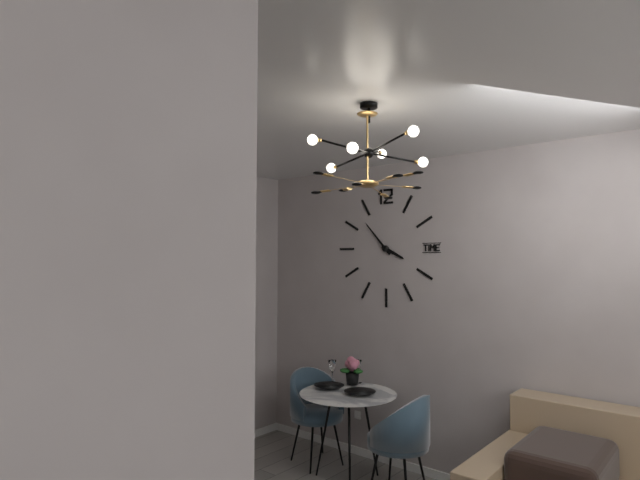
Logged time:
3h53
